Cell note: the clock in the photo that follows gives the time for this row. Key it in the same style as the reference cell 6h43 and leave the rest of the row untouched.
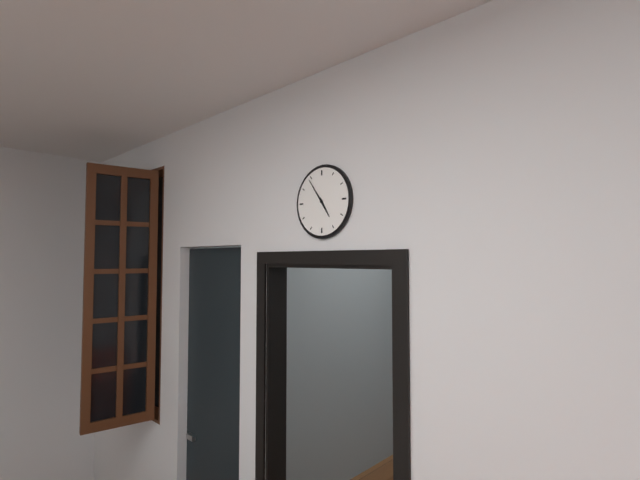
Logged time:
4h54
